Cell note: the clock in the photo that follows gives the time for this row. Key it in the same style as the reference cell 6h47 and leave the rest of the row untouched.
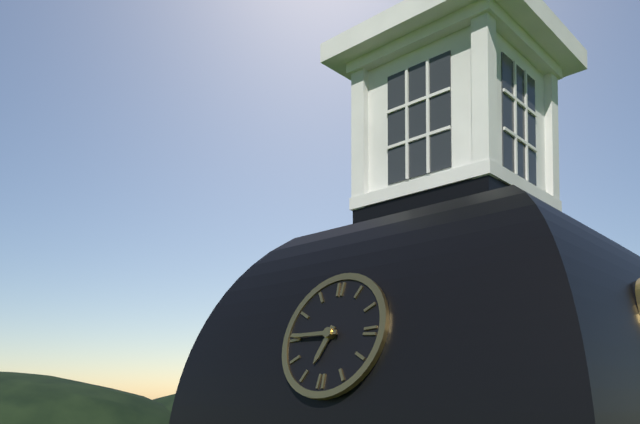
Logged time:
6h45
